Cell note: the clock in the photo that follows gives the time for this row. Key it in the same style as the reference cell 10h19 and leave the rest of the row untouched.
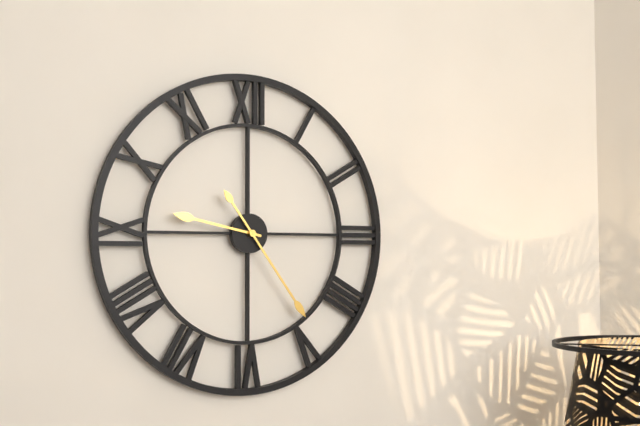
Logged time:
9h24
